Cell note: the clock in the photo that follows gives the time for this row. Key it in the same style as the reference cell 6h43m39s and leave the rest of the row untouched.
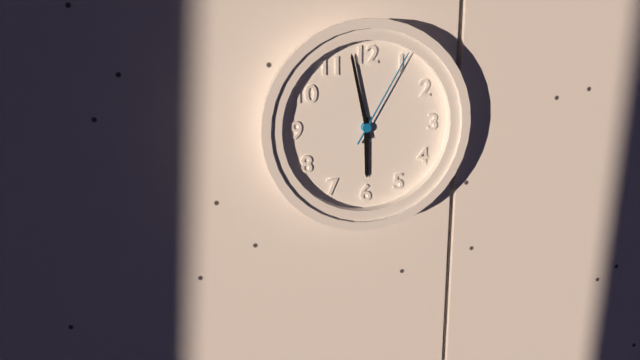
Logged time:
5h58m05s
